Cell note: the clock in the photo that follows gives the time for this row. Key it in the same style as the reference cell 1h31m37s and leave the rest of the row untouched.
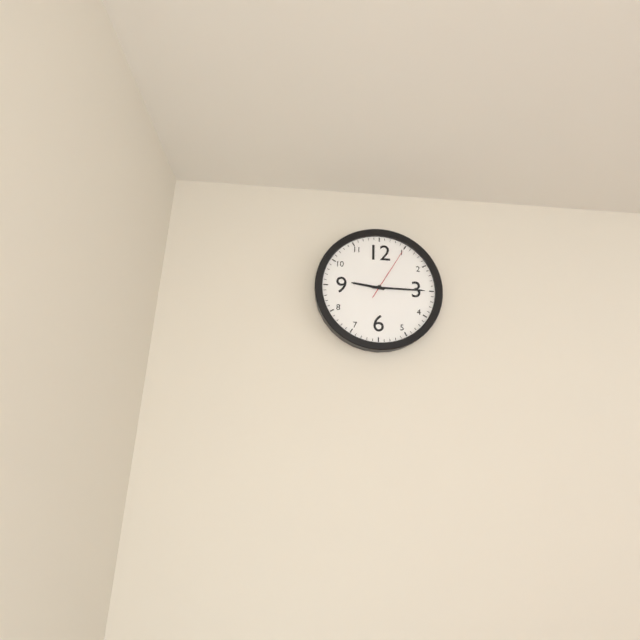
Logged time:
9h15m05s
